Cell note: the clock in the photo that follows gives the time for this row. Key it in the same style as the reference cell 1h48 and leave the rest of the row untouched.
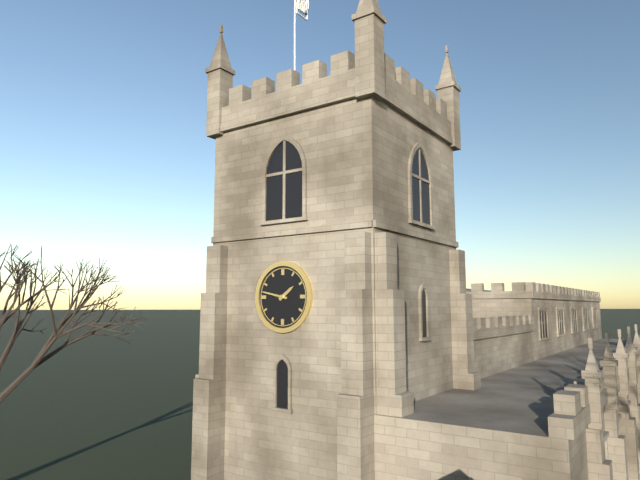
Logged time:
1h47
